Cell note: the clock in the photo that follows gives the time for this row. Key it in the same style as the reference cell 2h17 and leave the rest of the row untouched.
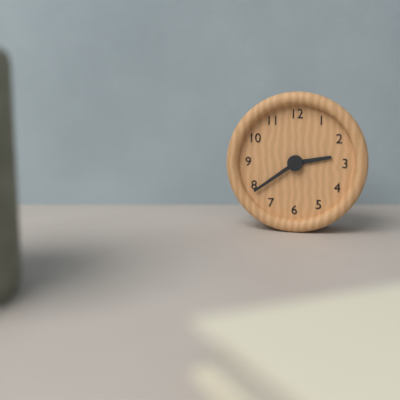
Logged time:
2h39
